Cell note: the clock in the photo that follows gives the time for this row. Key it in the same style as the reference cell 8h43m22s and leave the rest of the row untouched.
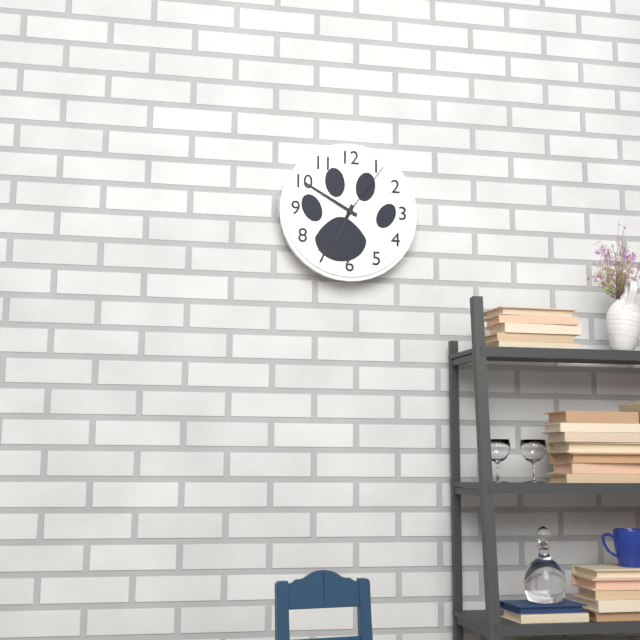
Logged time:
6h50m06s
